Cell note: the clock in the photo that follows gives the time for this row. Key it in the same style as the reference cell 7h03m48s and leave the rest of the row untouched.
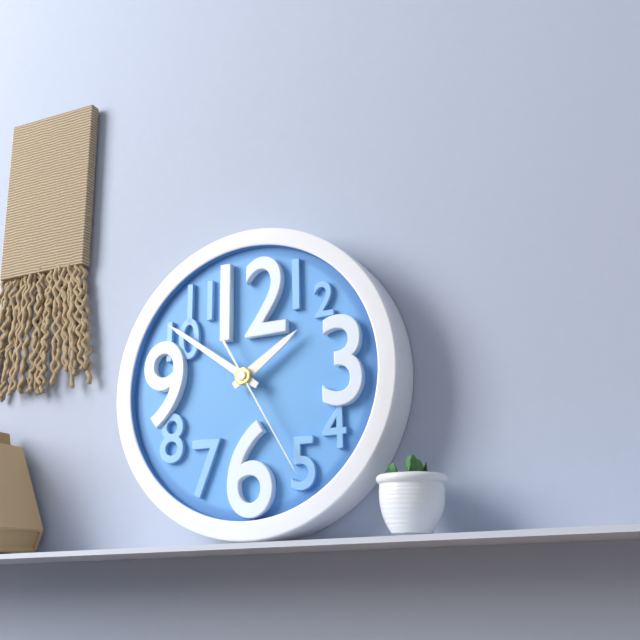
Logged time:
1h51m25s
